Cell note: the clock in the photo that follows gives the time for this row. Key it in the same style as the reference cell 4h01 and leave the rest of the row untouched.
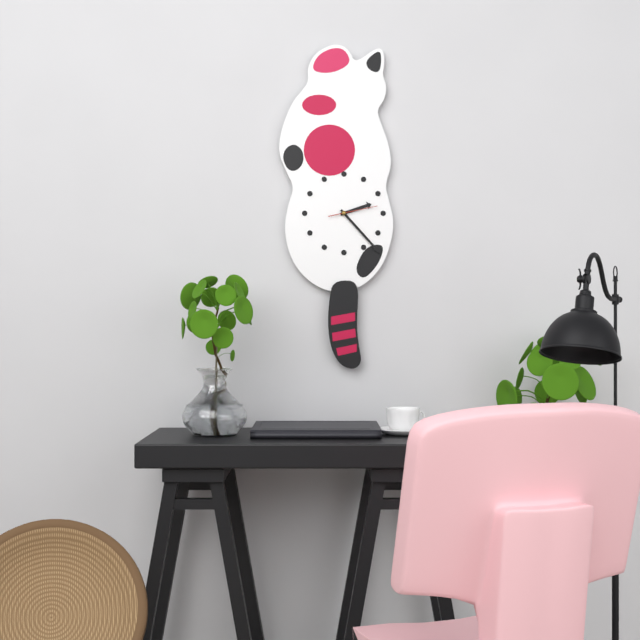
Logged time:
2h23
